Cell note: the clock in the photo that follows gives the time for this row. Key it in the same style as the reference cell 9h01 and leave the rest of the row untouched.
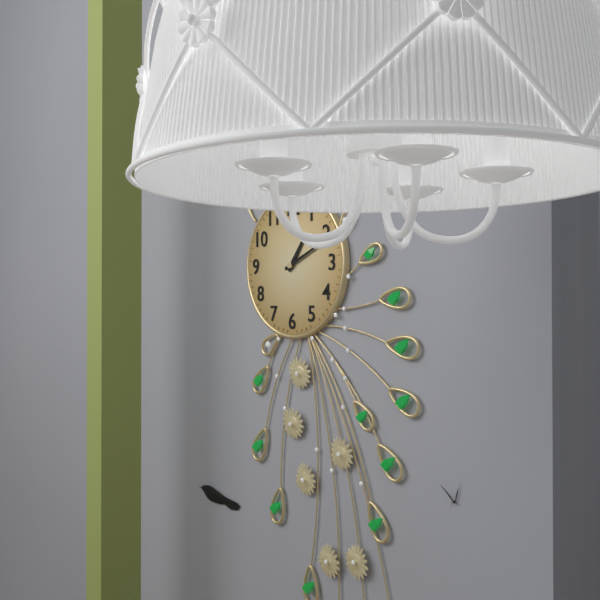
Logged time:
1h11
